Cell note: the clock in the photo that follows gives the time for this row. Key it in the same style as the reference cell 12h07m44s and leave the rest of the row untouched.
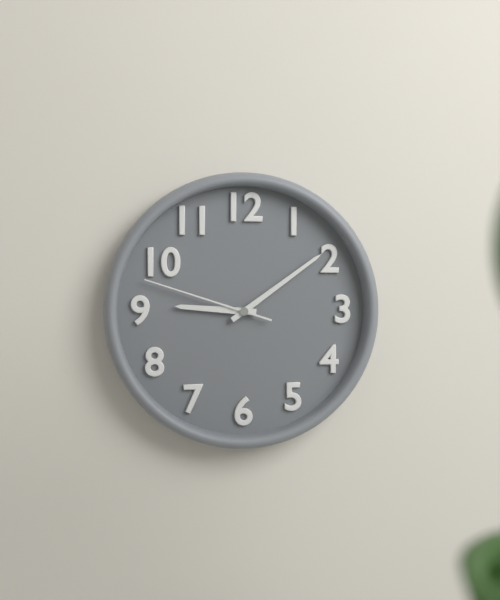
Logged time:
9h09m48s
